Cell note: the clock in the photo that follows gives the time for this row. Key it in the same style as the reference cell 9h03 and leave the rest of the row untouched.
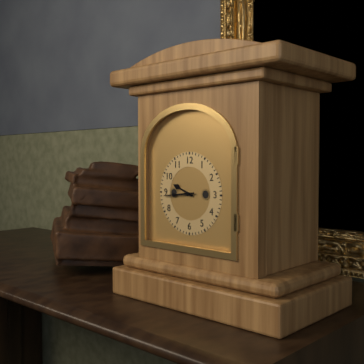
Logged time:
9h44
